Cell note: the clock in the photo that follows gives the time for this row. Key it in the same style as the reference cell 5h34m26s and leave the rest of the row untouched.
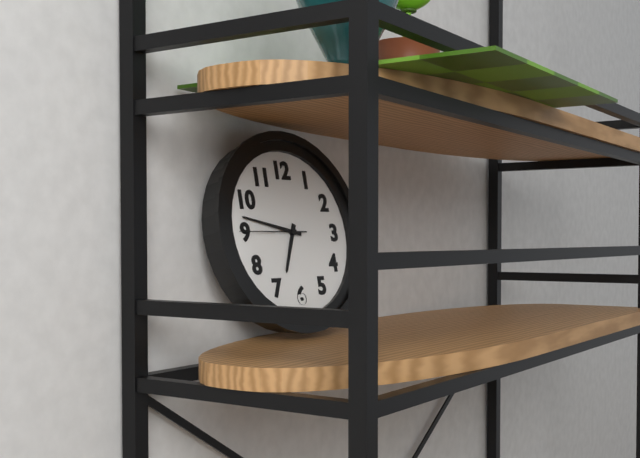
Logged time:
6h47m45s
